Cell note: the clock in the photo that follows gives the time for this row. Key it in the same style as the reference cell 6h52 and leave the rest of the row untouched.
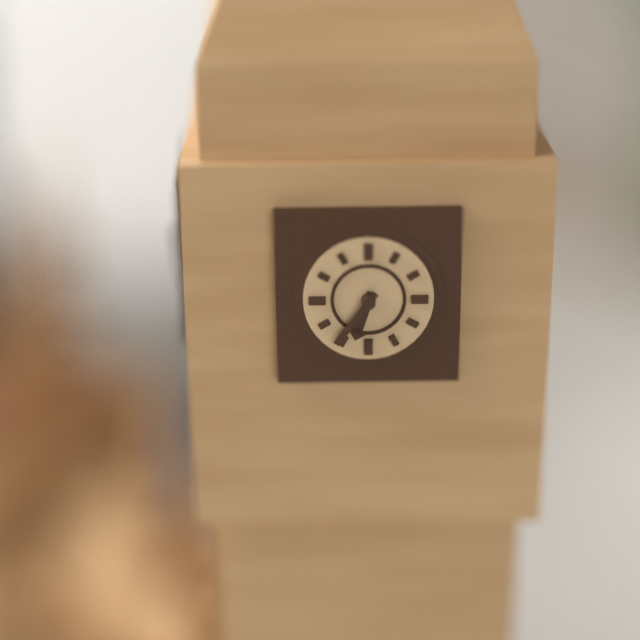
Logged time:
6h36
